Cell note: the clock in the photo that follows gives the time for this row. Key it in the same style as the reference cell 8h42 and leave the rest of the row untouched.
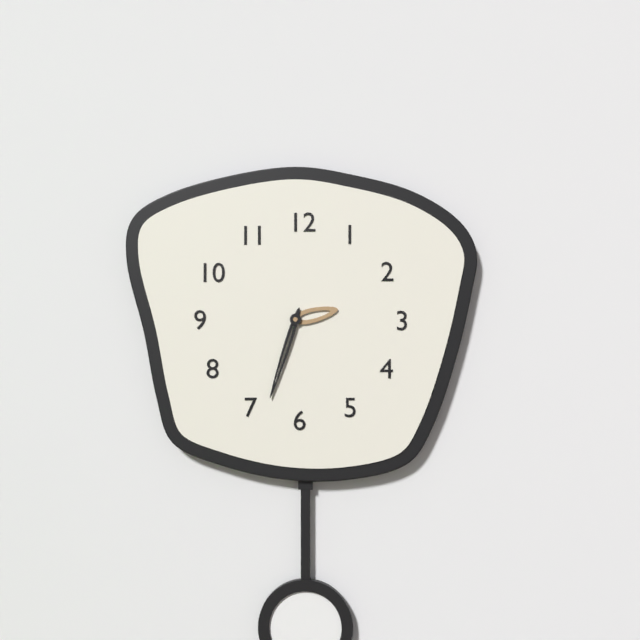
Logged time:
2h33
